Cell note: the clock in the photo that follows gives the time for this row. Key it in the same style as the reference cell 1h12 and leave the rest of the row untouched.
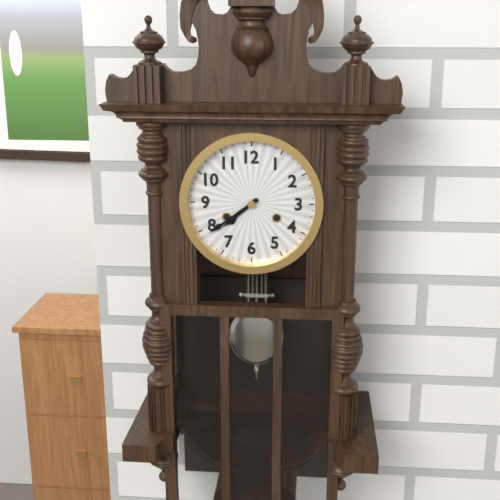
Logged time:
7h39
